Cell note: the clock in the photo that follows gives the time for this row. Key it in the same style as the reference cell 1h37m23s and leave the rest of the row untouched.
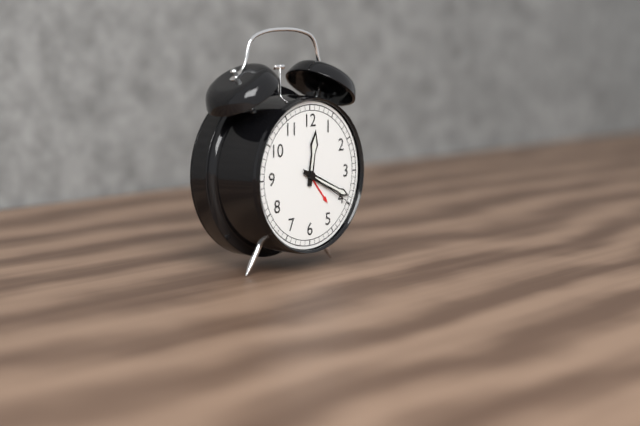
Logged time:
12h19m20s
